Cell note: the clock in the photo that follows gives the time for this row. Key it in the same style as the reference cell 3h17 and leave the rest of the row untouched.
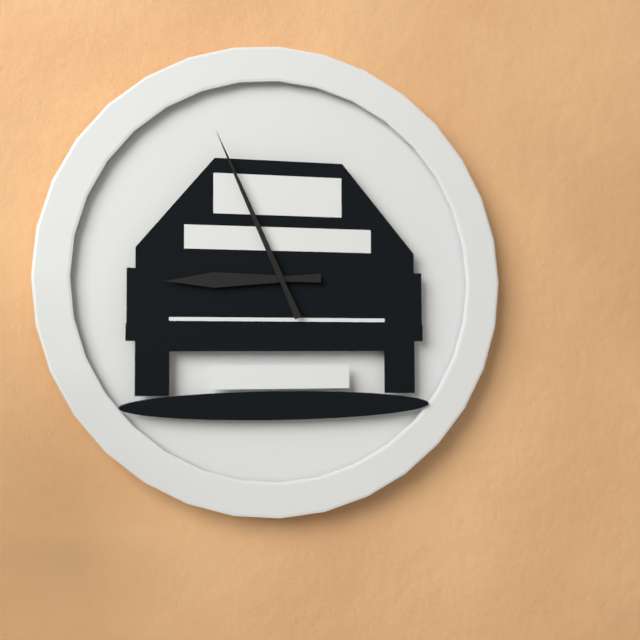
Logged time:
8h56
